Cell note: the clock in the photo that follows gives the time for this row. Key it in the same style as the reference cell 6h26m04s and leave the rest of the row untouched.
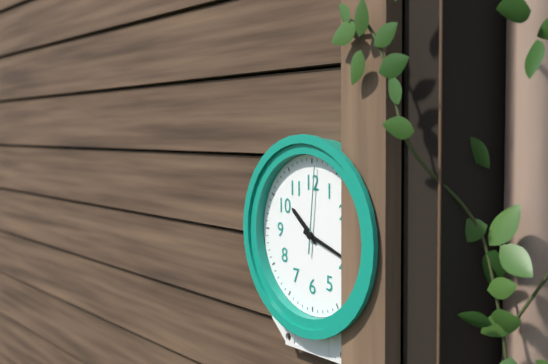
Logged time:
10h18m01s
